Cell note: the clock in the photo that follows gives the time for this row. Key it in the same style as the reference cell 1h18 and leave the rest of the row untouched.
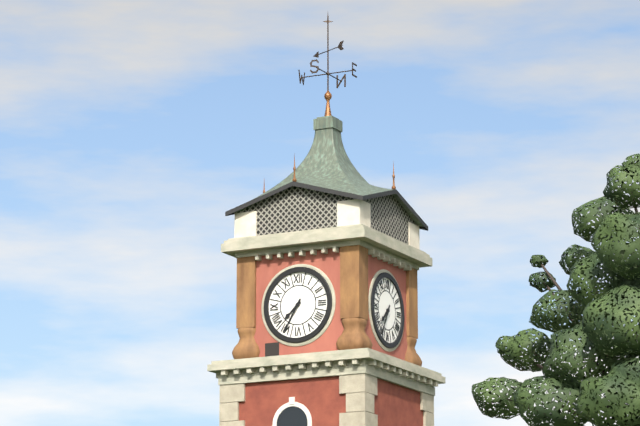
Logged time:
7h35
